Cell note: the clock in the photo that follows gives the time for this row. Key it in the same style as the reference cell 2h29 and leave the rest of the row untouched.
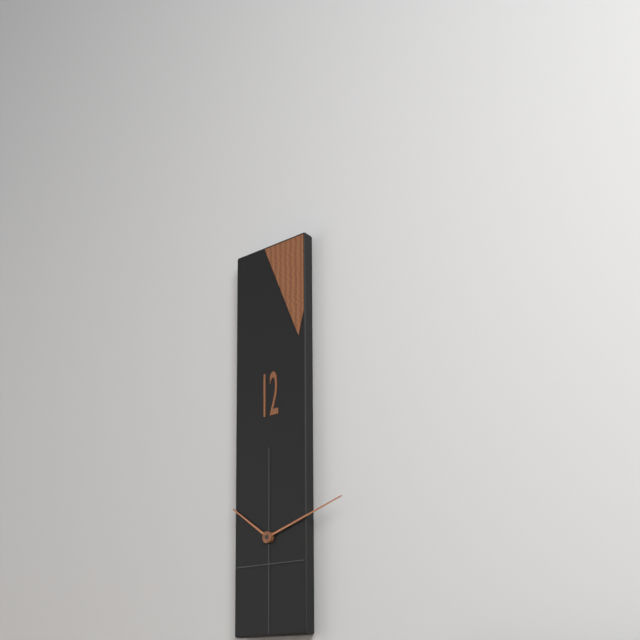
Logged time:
10h12
